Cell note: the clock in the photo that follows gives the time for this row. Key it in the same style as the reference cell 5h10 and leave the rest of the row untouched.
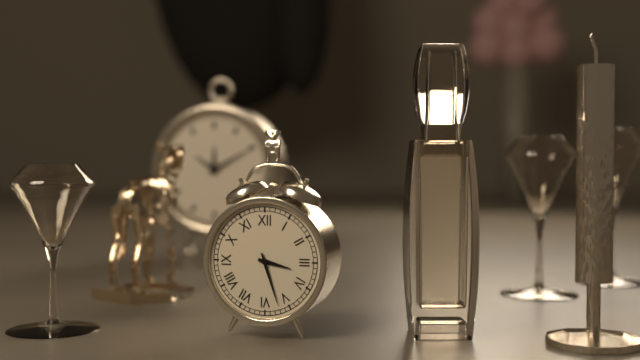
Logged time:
3h27
